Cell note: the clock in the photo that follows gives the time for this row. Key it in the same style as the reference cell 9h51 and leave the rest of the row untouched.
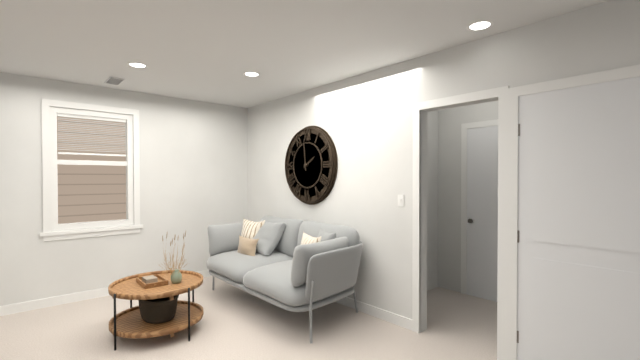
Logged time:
1h59
